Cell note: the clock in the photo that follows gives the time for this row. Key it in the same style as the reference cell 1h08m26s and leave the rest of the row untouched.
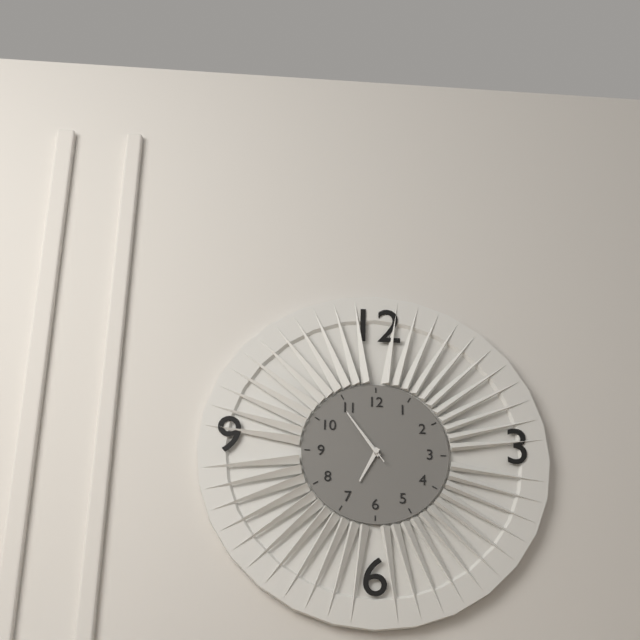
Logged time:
6h54m54s
